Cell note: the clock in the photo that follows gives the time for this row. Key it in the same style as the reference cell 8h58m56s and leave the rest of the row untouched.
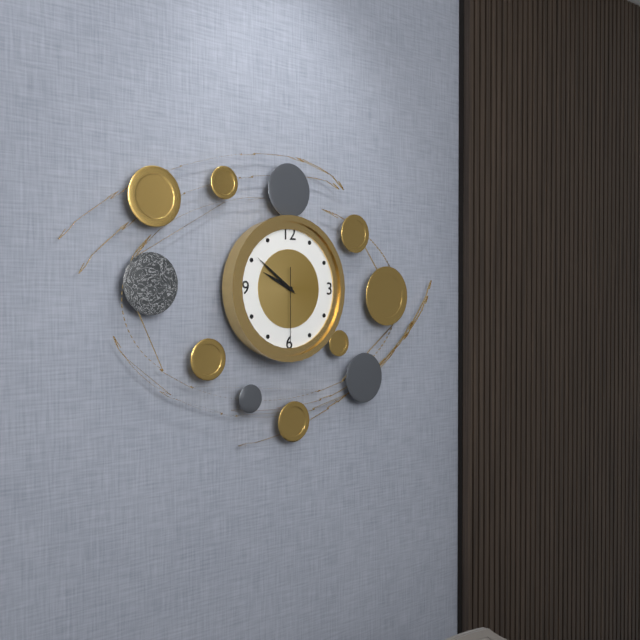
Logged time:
9h51m30s
